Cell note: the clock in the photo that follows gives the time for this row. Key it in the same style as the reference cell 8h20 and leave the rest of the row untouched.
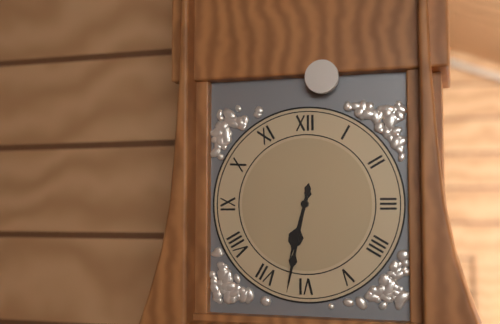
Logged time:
6h32
